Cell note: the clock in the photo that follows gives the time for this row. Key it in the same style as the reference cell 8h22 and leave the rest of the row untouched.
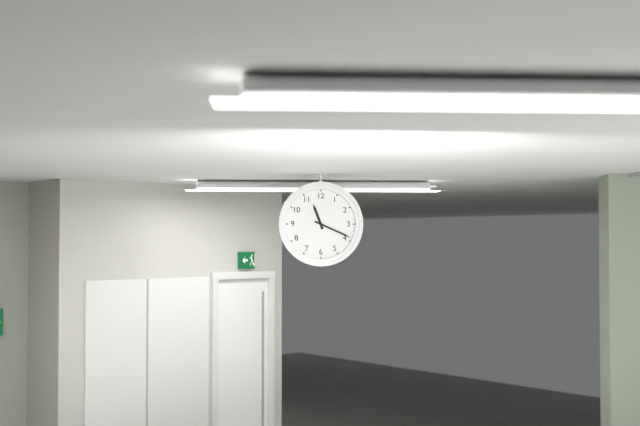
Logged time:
11h19
